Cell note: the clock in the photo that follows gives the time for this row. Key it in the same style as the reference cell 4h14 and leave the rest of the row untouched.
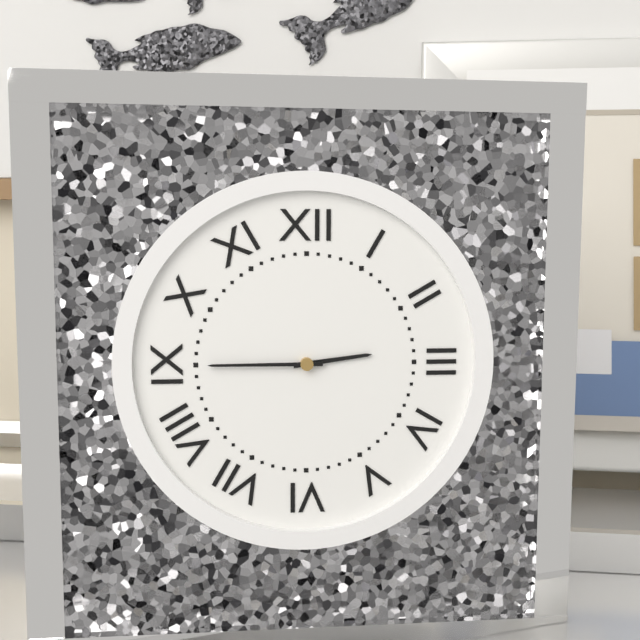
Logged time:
2h45
